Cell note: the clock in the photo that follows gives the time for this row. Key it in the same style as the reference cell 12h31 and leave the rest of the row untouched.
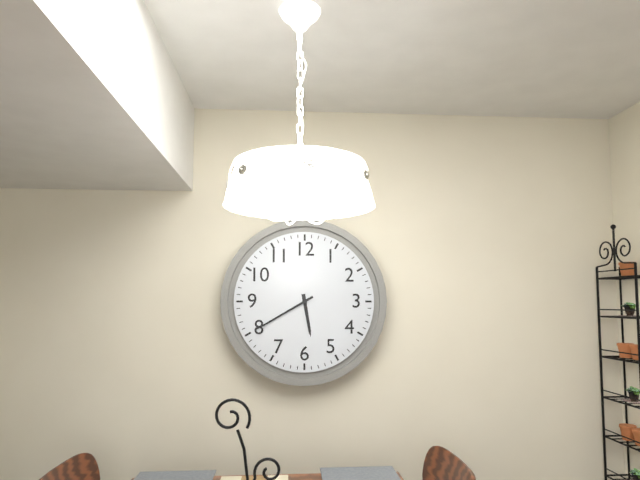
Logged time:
5h40
